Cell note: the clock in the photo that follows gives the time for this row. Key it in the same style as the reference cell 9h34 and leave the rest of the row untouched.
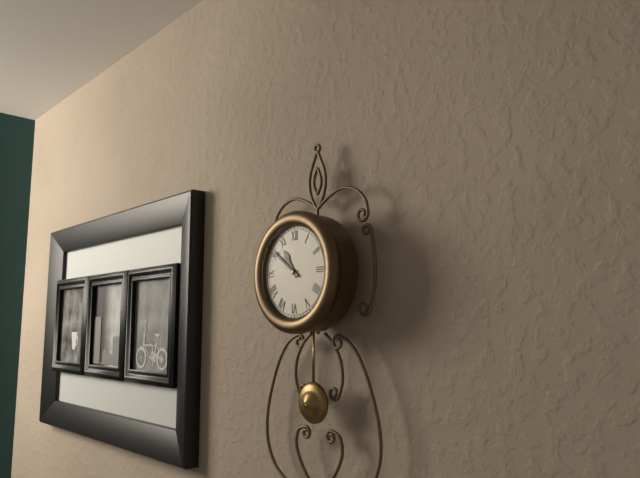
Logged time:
10h51
